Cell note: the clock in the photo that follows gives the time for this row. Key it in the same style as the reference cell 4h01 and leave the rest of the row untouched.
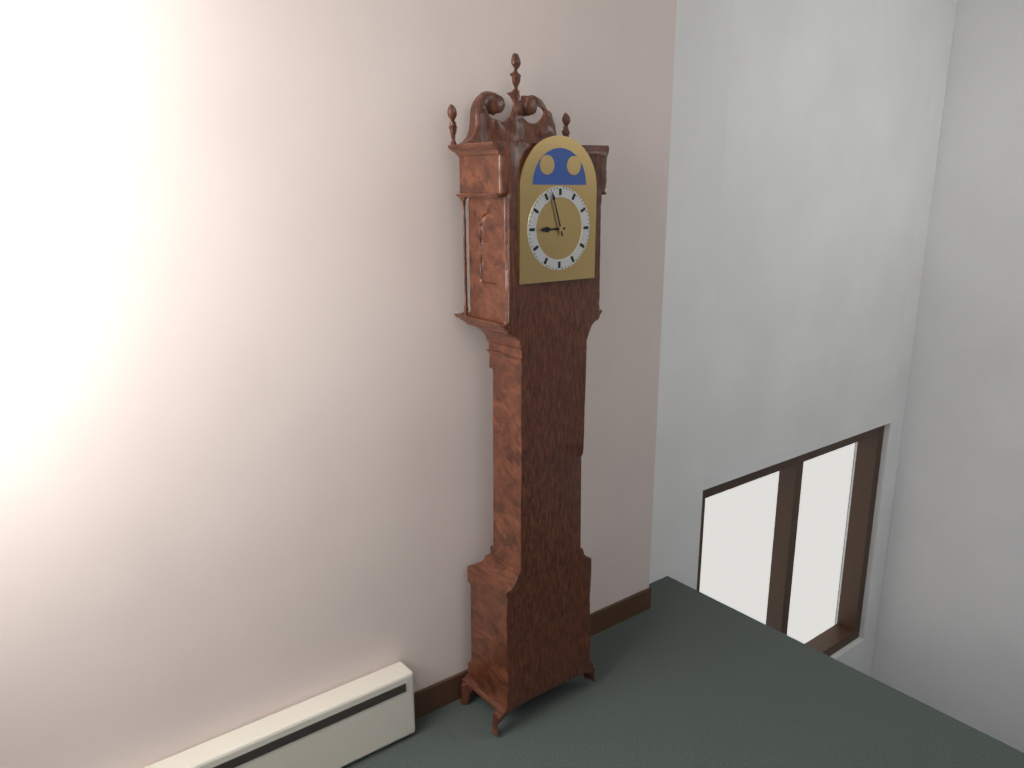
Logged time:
8h57
